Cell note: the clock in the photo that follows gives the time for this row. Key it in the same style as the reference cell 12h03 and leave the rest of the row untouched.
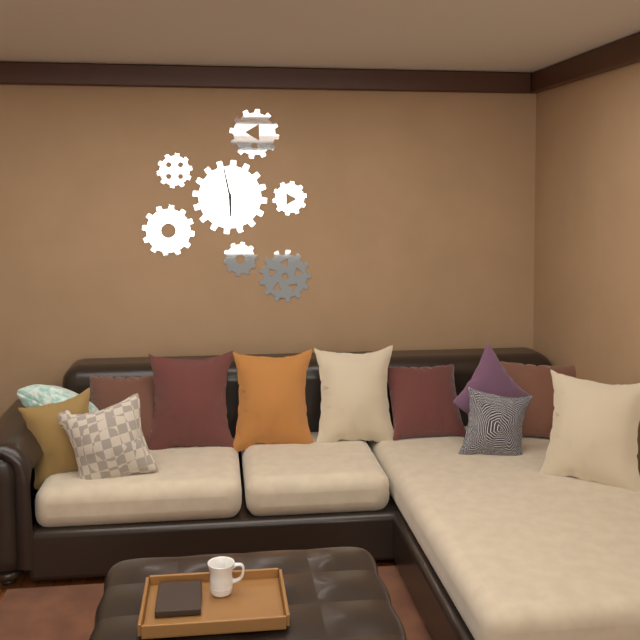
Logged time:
5h58
